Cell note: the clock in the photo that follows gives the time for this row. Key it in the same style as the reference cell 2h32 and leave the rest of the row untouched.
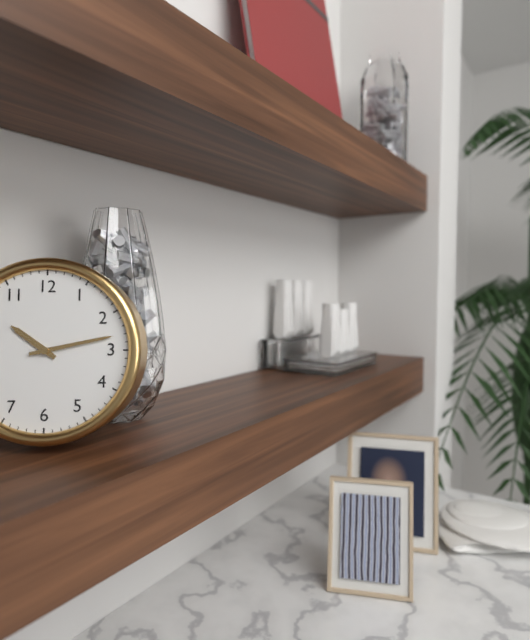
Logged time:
10h13
